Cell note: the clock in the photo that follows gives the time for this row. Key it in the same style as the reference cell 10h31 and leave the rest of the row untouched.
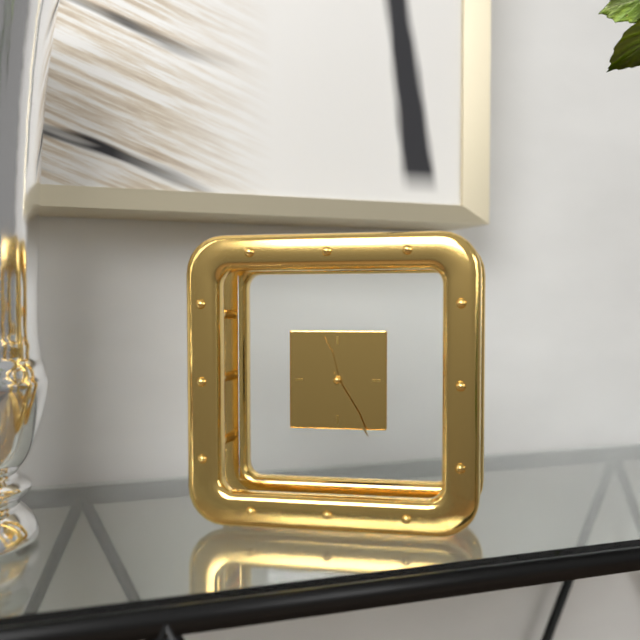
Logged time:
11h25
